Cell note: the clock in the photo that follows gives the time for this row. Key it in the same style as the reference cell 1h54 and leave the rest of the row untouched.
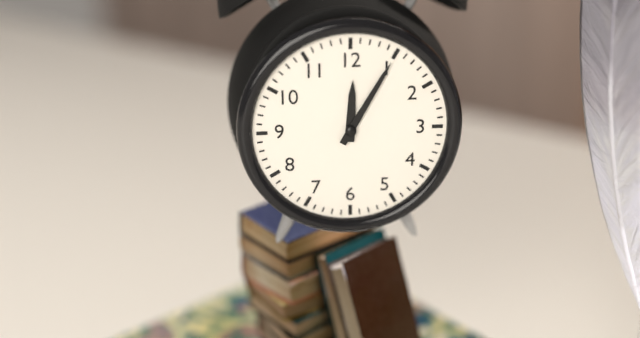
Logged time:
12h05
